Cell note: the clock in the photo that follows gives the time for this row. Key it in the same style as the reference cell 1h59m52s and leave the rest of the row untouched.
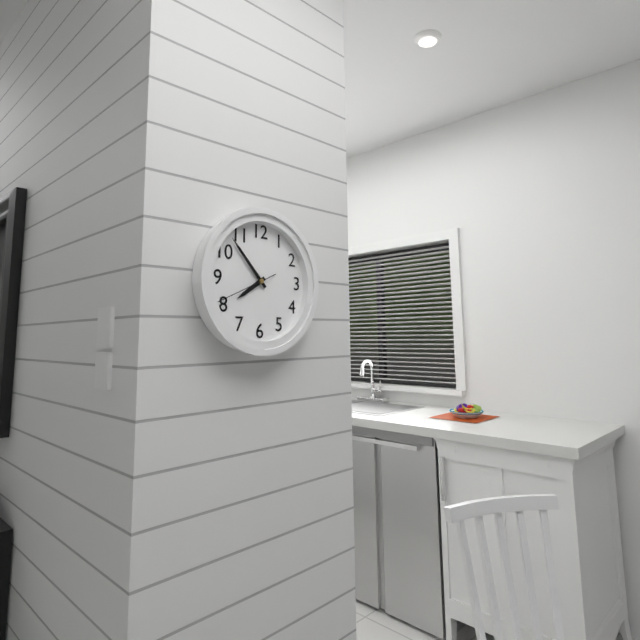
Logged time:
7h53m41s
